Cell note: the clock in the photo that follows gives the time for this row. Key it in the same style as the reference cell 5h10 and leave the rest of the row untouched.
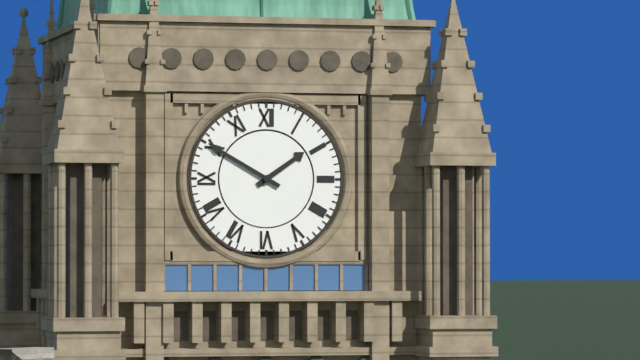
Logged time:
1h50
